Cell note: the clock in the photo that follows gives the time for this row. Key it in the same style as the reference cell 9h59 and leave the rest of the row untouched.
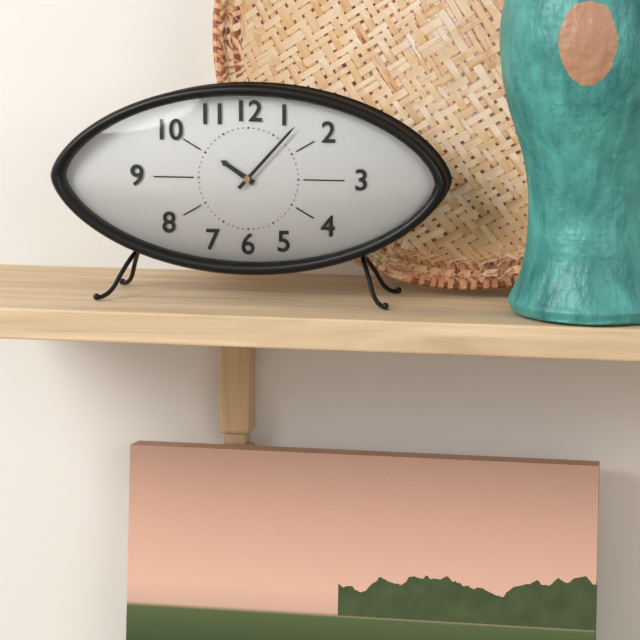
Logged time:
10h07
